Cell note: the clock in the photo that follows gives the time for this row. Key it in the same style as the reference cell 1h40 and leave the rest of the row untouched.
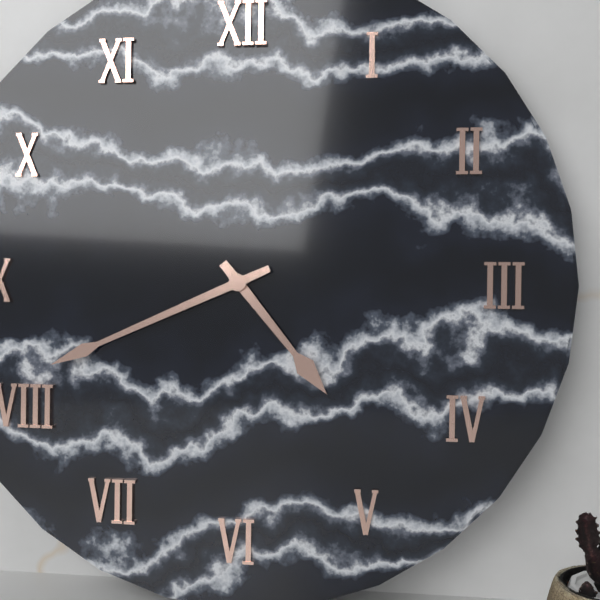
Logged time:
4h41
